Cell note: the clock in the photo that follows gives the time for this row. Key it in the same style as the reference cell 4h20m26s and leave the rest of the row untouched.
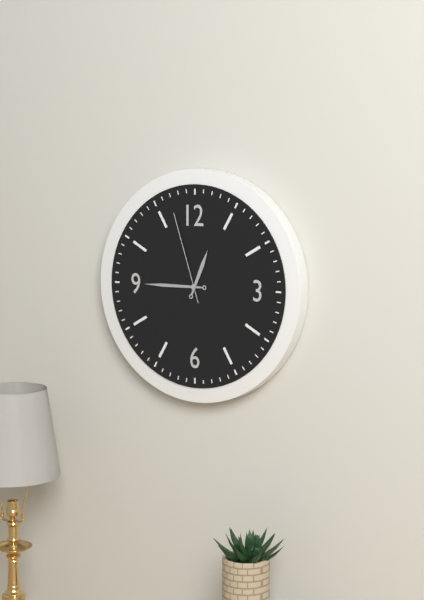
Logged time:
12h45m57s
